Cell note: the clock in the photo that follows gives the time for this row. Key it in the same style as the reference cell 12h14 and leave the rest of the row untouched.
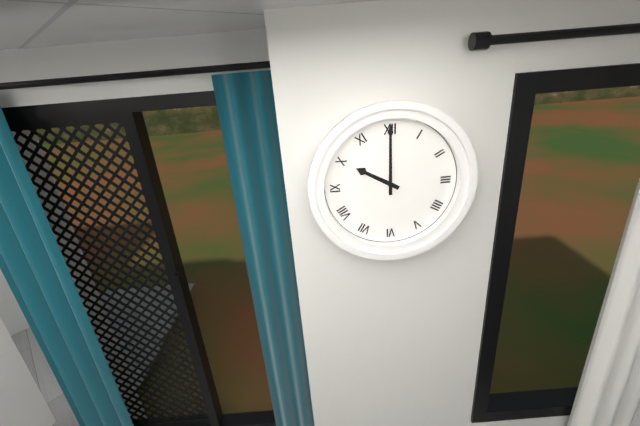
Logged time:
10h00
